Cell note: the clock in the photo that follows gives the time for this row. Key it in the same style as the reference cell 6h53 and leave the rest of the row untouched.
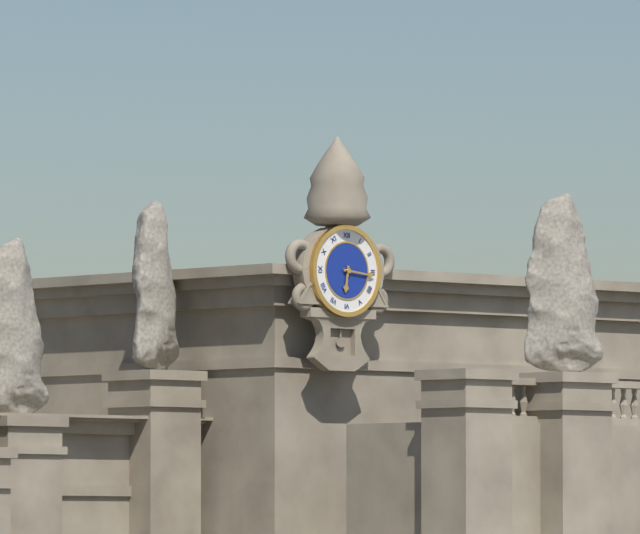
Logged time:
6h16
